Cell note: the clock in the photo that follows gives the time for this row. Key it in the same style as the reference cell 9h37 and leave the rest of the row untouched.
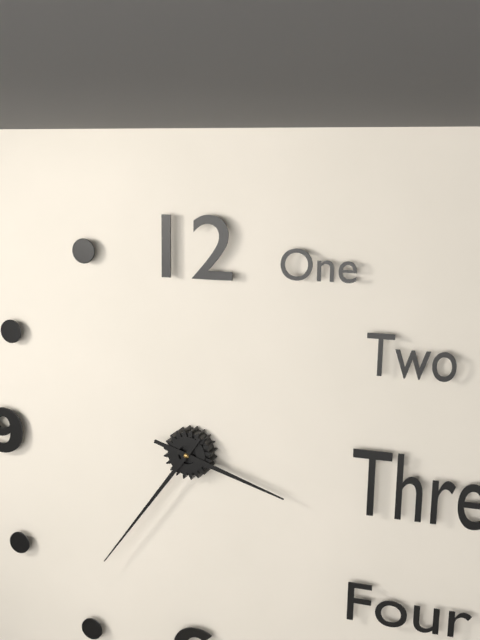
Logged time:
3h36
